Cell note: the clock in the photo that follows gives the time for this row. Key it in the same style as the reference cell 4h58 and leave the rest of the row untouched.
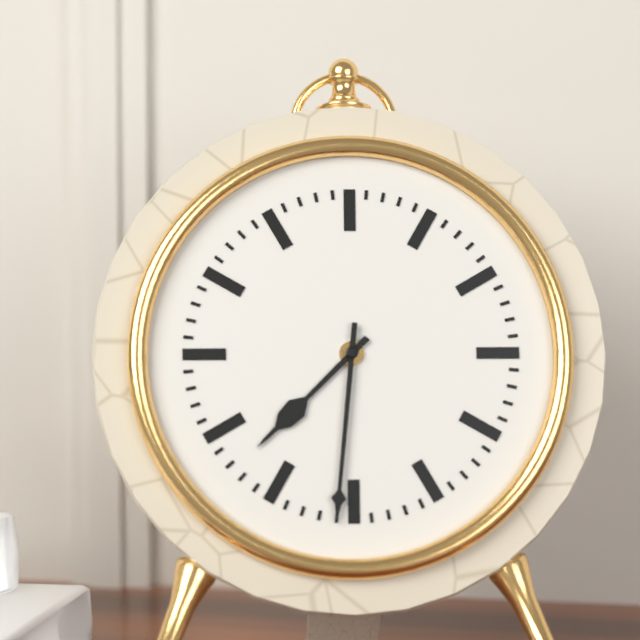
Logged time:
7h31
